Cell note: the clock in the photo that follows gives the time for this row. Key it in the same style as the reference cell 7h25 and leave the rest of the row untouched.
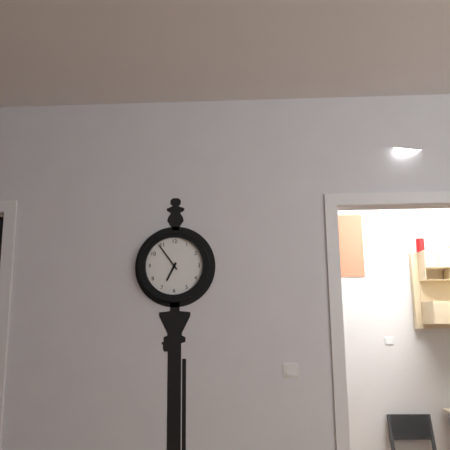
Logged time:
6h54
